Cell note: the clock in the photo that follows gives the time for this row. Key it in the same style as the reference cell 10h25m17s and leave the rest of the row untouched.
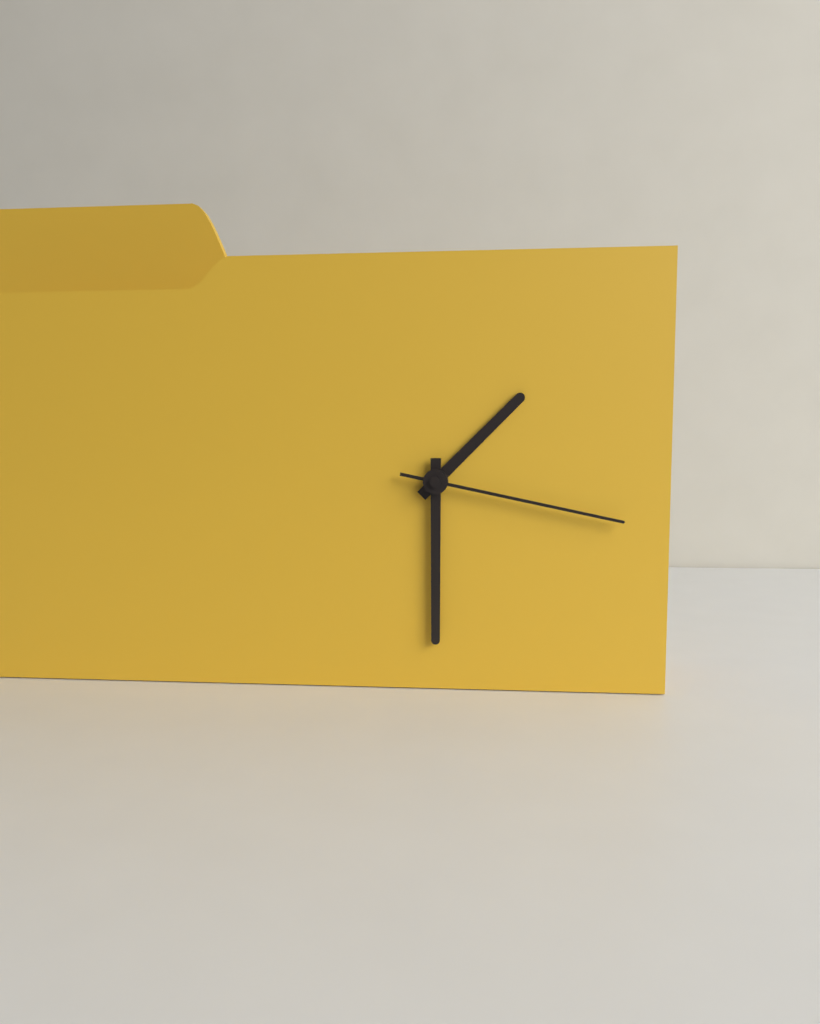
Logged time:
1h30m17s
